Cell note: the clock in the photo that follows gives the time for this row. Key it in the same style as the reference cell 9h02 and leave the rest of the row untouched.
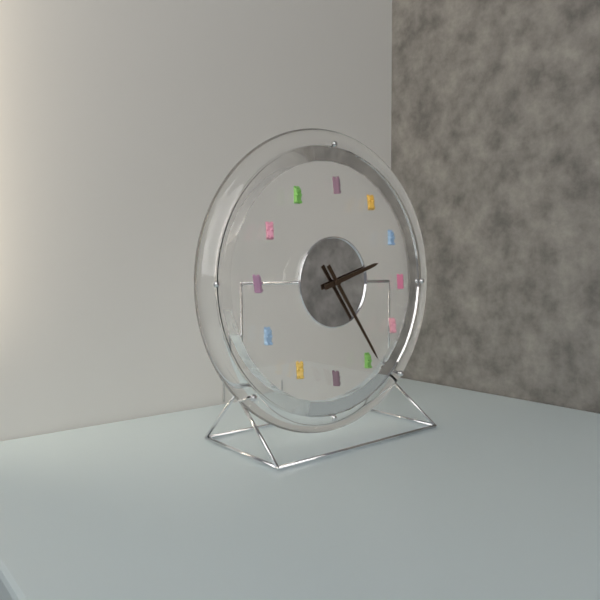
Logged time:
2h24
